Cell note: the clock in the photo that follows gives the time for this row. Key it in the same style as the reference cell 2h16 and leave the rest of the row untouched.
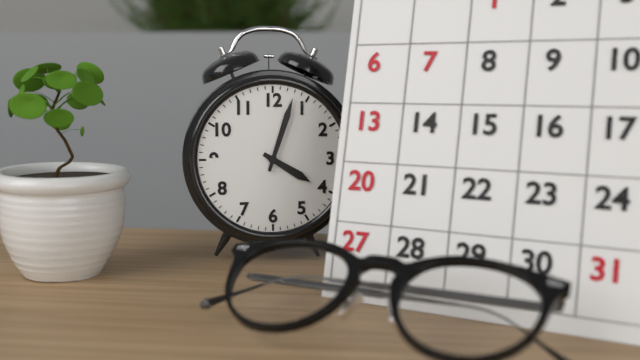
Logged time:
4h03
